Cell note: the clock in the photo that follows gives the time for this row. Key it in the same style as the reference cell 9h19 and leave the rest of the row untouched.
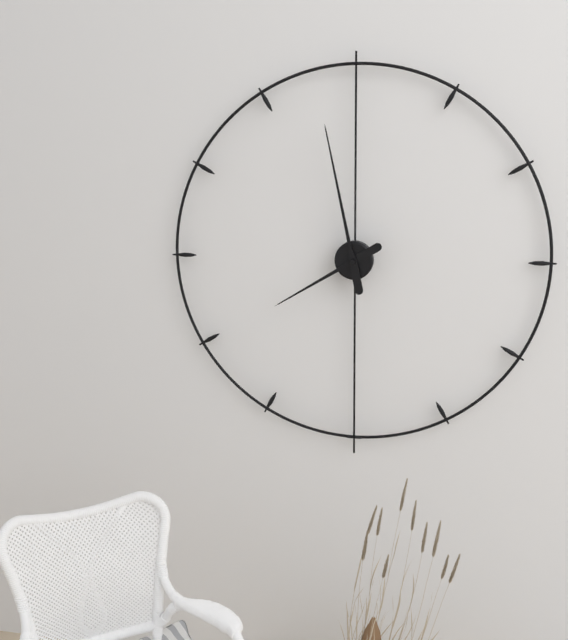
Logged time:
7h58
